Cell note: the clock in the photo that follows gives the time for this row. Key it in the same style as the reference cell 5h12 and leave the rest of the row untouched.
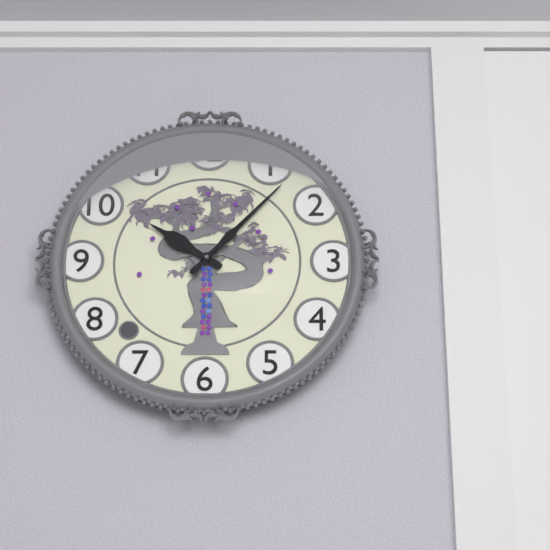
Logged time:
10h07
